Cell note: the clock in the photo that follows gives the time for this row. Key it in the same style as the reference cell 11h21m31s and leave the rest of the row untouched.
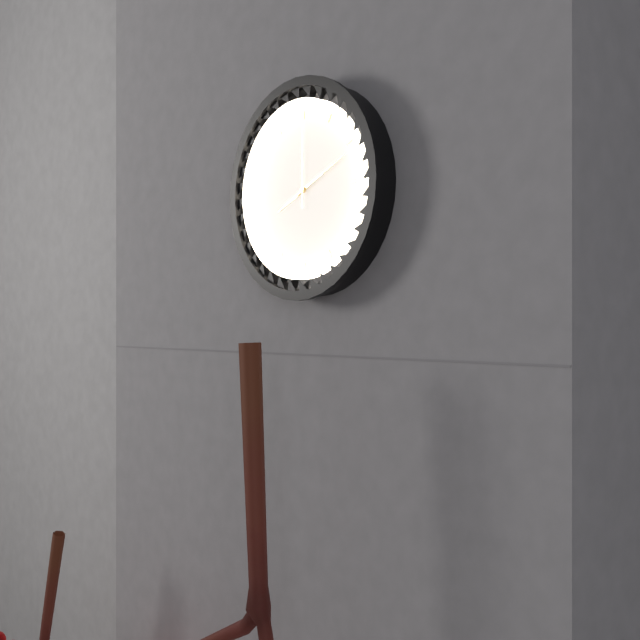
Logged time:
8h11m00s
